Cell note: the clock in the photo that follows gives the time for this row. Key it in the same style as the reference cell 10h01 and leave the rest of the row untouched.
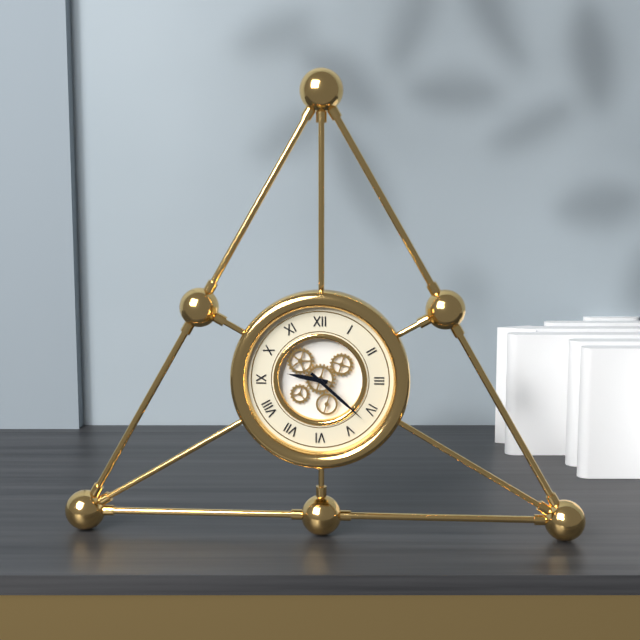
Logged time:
9h22
